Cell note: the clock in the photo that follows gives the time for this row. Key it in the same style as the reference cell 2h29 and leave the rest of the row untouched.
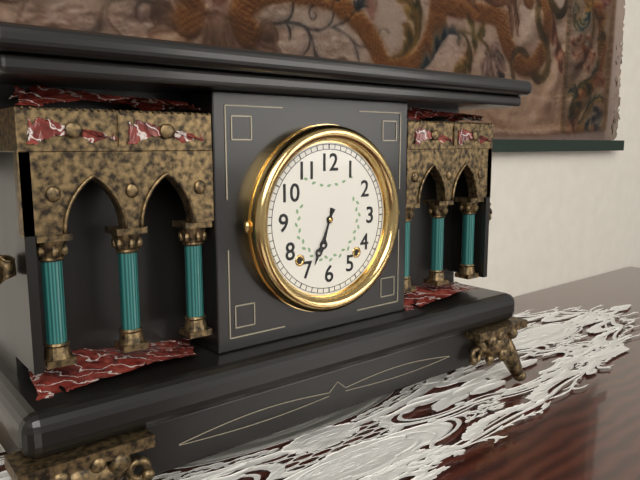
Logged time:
6h34
